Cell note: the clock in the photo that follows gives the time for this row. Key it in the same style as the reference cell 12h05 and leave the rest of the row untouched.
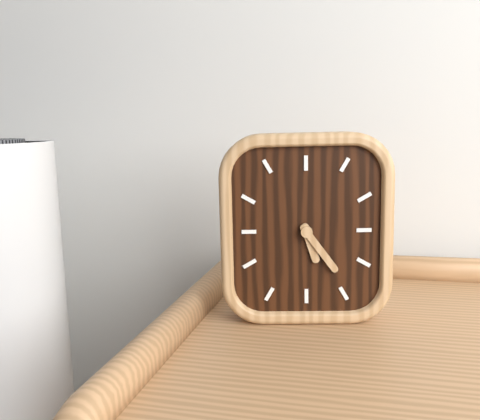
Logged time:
5h24
